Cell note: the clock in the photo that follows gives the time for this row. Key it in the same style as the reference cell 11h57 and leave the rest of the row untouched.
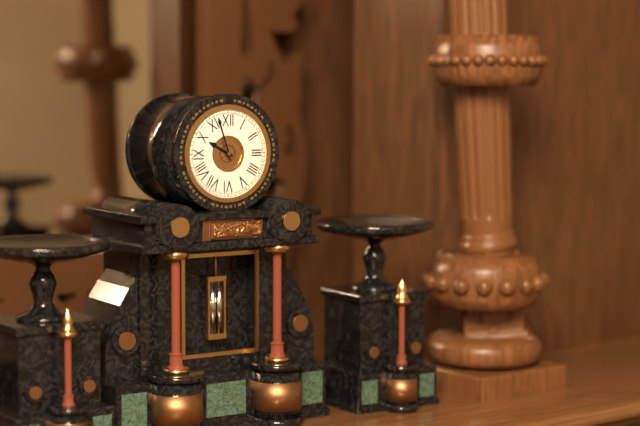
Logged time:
9h57
